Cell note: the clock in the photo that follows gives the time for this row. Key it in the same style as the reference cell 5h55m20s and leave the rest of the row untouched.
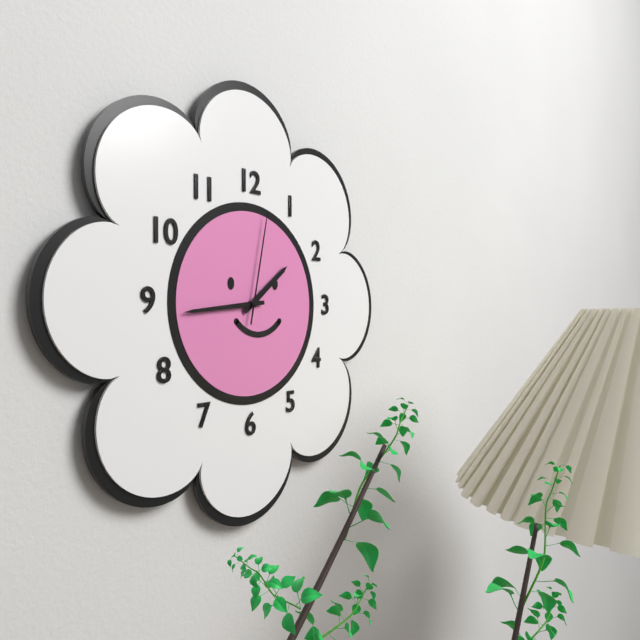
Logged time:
1h44m02s
